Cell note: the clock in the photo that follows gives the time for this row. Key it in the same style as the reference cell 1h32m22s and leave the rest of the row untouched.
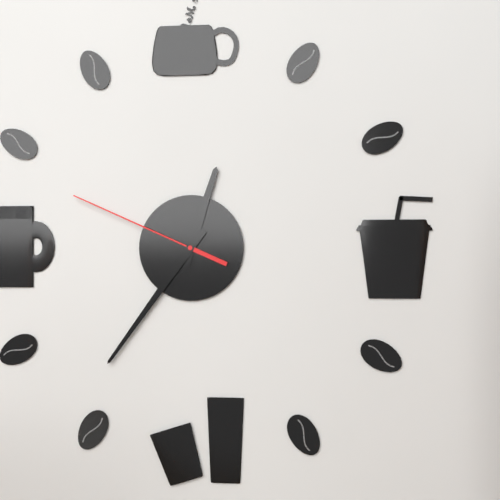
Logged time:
12h36m49s
